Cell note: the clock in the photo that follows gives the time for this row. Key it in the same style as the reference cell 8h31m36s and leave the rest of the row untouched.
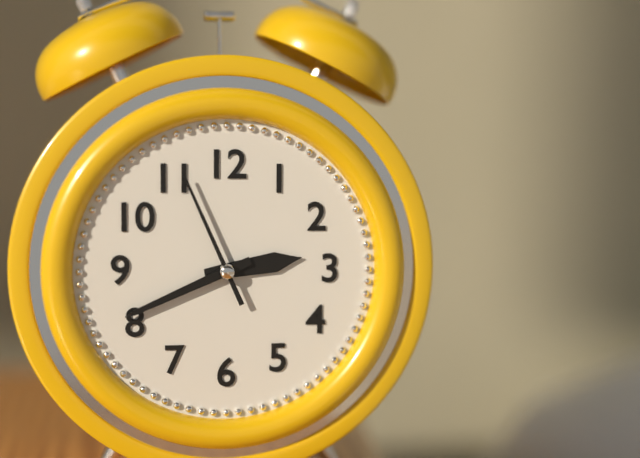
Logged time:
2h41m56s
